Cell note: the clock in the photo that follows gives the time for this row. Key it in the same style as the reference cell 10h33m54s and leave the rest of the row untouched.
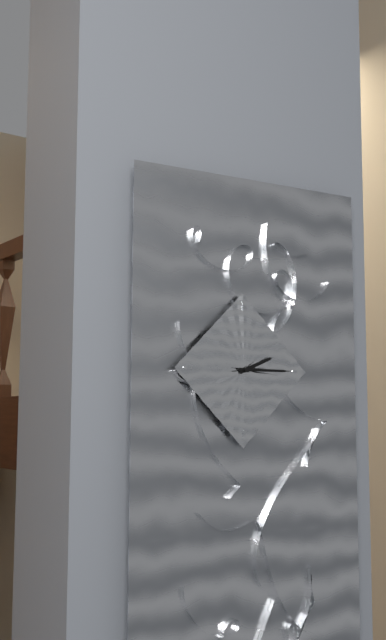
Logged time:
2h15m15s
